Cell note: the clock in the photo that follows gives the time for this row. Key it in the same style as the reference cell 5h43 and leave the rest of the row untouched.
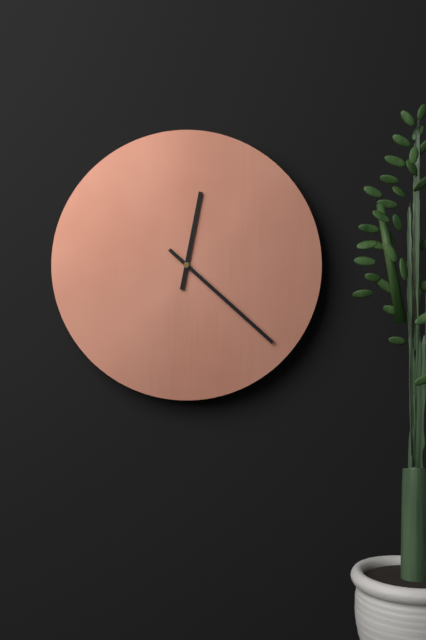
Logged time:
12h22
